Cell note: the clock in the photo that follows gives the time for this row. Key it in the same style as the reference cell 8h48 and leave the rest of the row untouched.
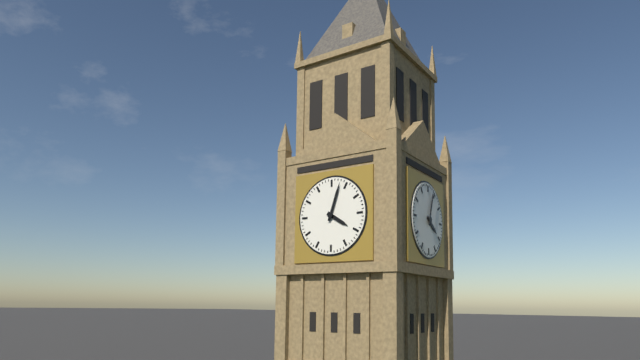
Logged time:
4h03
